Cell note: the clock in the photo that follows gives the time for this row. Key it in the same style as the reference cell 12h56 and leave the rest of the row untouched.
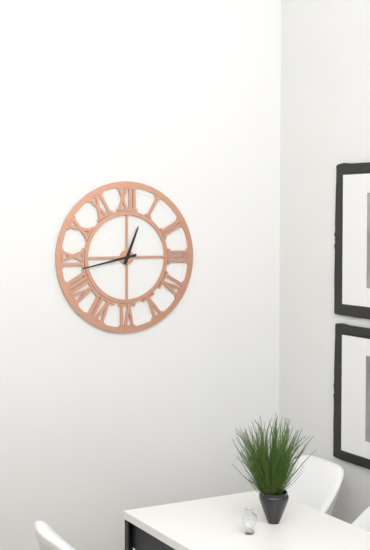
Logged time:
12h43
